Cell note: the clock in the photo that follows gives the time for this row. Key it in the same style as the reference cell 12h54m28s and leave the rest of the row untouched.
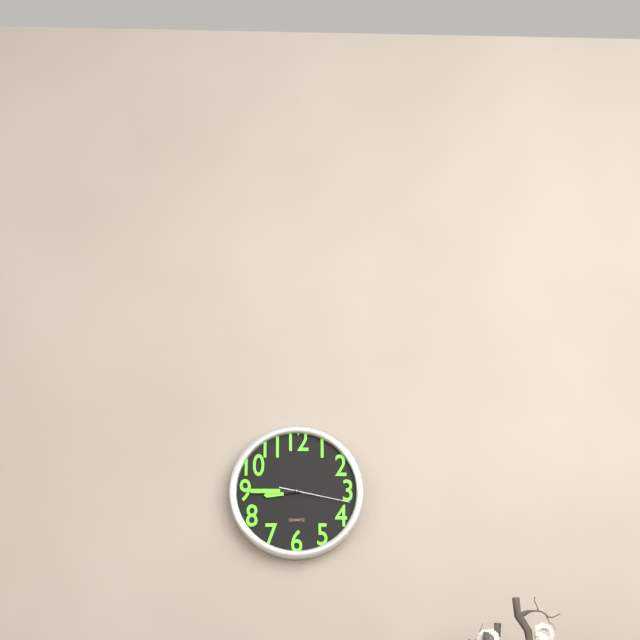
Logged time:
8h45m17s
